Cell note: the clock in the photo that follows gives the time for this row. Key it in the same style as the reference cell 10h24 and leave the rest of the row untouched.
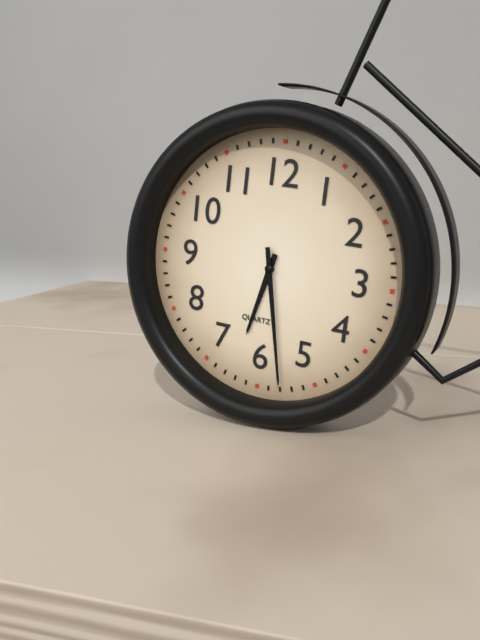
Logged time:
6h28
